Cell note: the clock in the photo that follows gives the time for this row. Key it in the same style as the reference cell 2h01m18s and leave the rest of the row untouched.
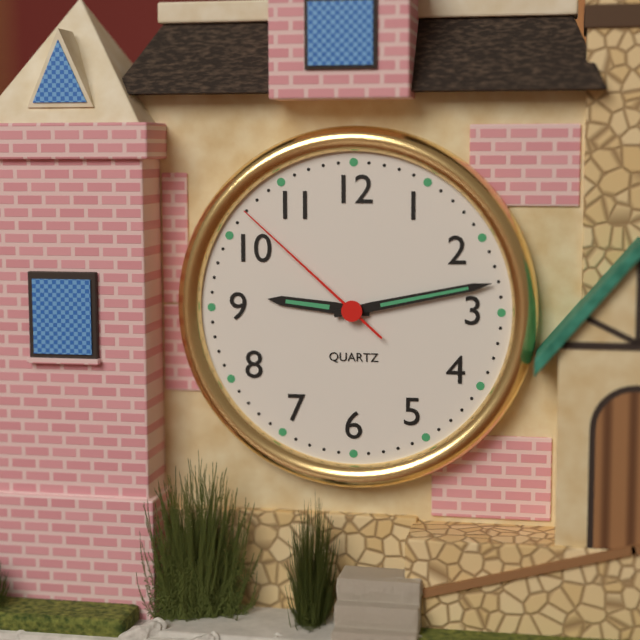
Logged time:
9h13m52s
